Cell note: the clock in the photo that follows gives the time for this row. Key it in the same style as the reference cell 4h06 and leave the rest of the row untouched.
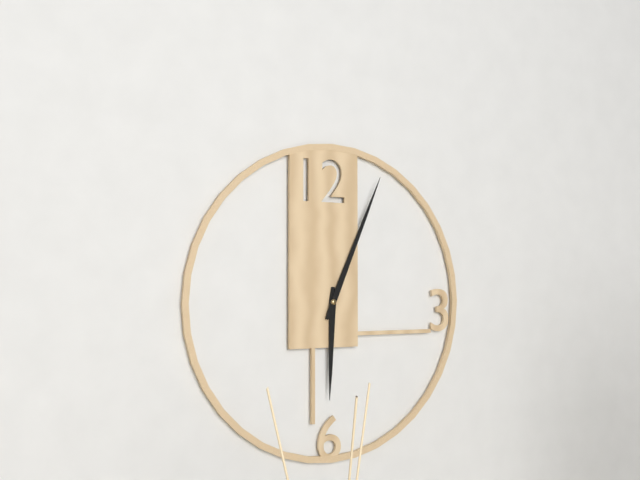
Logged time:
6h04
